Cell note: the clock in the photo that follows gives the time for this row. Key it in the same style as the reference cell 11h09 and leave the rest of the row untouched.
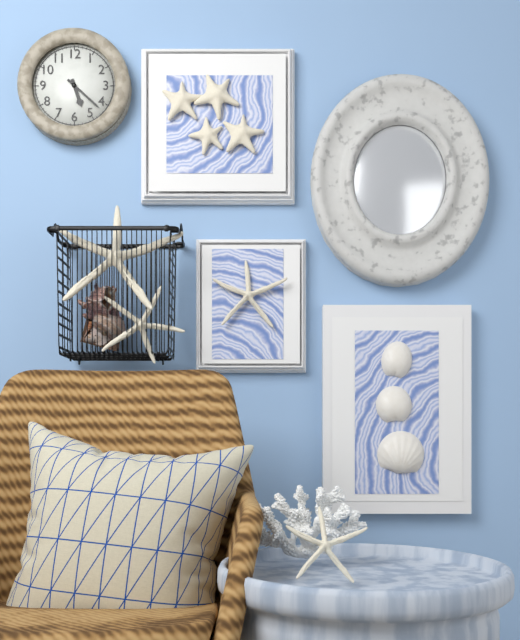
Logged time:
5h22
